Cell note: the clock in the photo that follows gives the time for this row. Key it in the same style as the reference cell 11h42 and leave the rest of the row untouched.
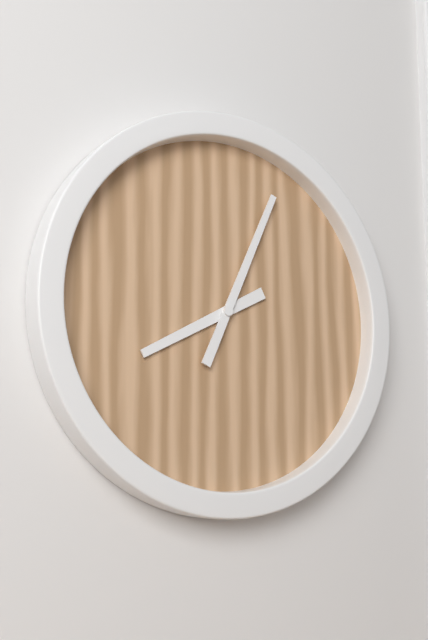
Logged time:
8h04
